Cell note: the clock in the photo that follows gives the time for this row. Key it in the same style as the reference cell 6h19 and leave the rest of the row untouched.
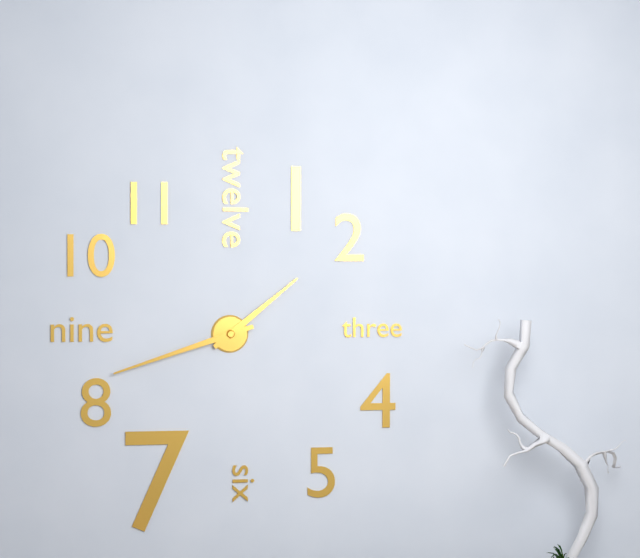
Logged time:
1h42
